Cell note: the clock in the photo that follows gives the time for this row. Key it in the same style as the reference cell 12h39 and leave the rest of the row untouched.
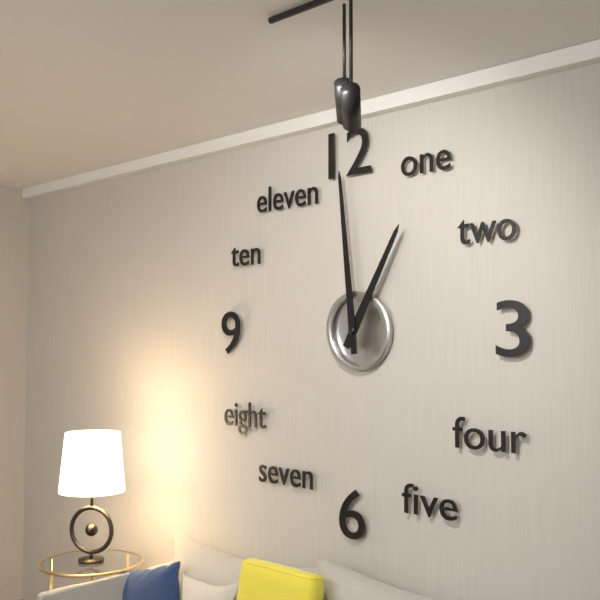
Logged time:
12h59
